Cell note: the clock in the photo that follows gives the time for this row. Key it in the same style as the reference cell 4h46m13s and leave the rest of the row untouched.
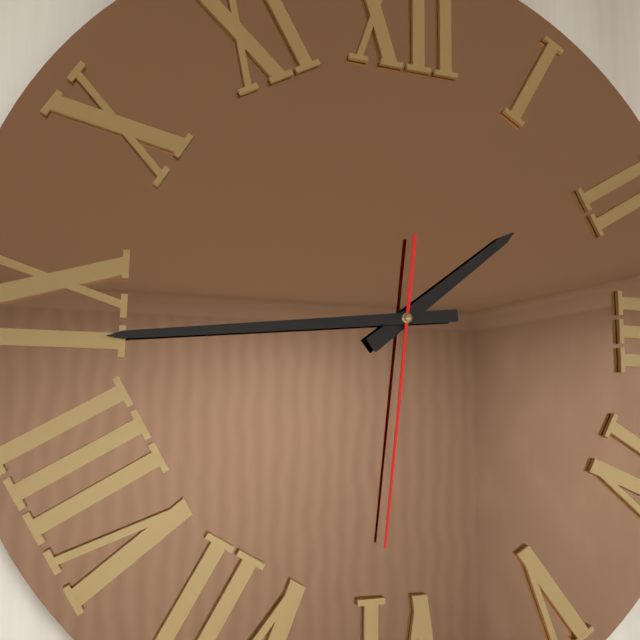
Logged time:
1h44m31s
